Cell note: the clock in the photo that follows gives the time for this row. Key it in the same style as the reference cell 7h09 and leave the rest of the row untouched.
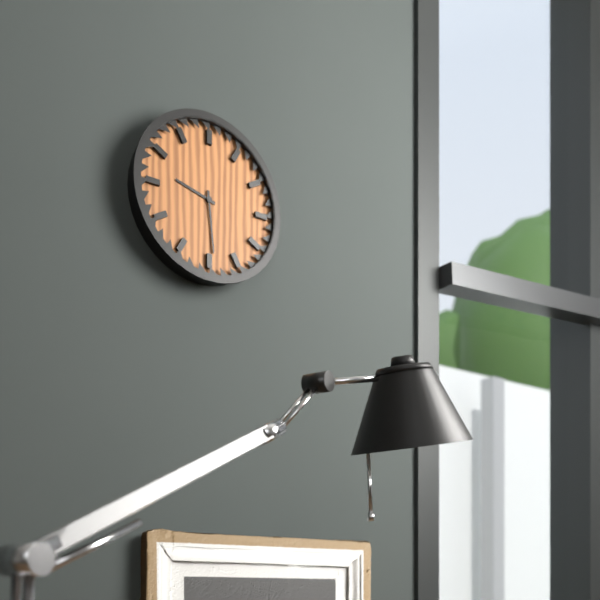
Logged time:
9h29
